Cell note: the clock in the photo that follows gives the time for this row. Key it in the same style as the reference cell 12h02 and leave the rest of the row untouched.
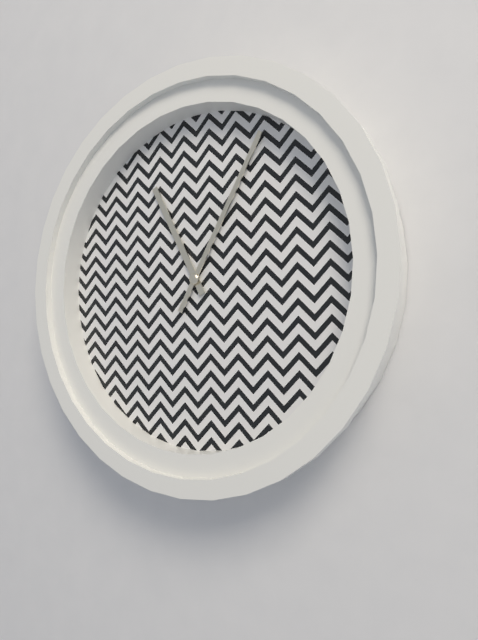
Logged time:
11h05
